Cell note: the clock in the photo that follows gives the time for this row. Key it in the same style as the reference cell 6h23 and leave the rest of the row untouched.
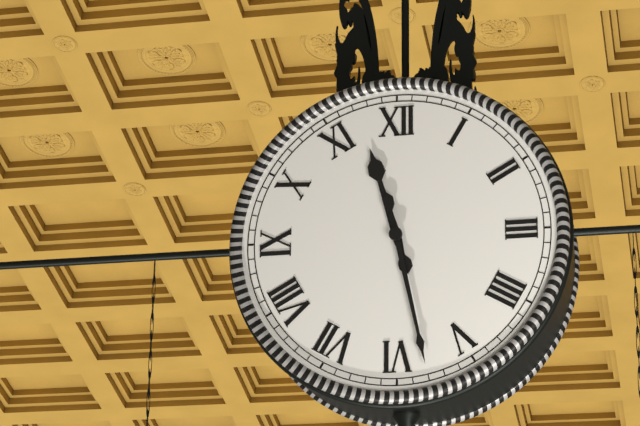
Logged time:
11h28
